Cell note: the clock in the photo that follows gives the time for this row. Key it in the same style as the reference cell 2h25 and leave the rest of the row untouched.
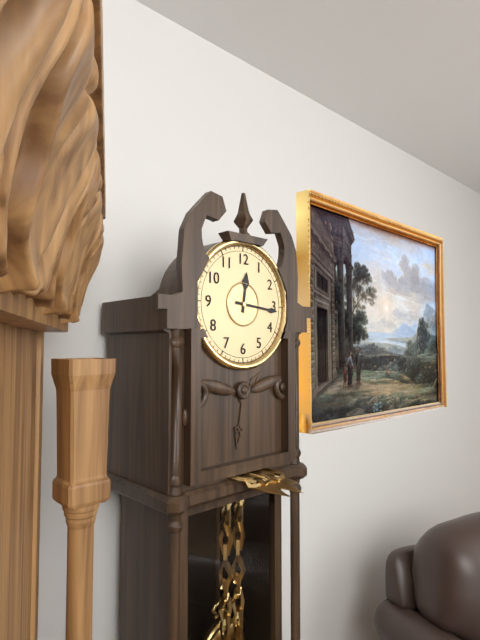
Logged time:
12h16
